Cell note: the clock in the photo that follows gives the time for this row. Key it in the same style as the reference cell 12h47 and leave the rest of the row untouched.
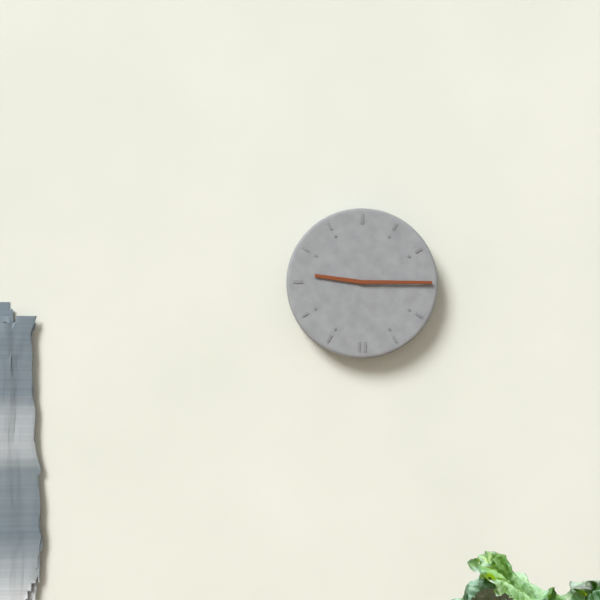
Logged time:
9h15
